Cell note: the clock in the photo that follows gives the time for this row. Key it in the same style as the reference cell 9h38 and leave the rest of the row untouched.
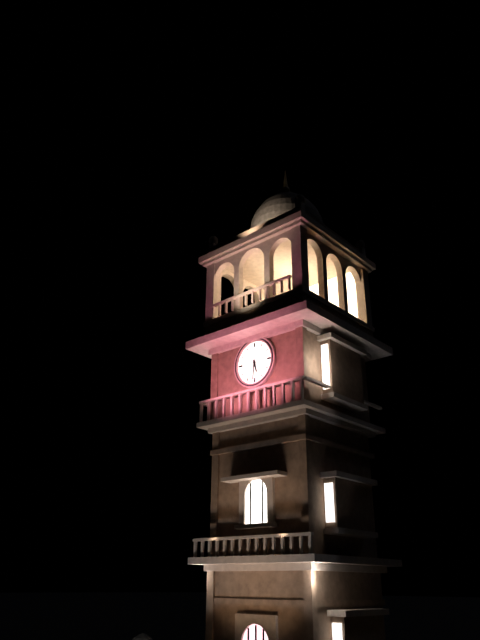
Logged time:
5h31
